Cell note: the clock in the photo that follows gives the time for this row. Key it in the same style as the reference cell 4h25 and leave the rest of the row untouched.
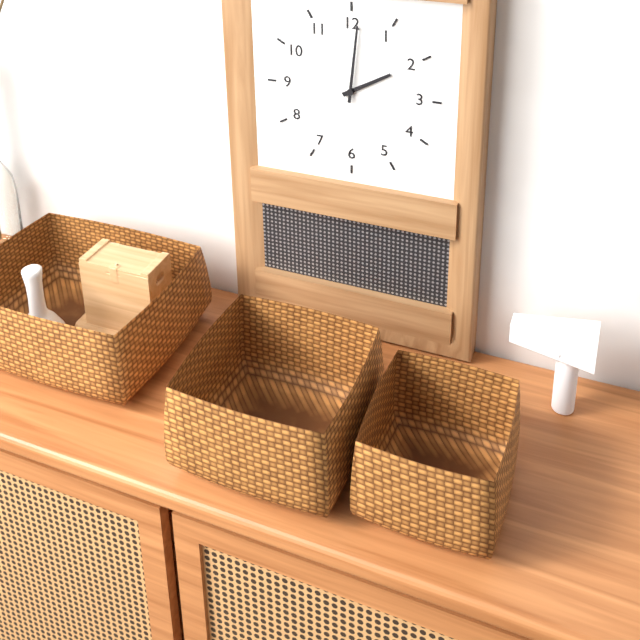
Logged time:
2h01
